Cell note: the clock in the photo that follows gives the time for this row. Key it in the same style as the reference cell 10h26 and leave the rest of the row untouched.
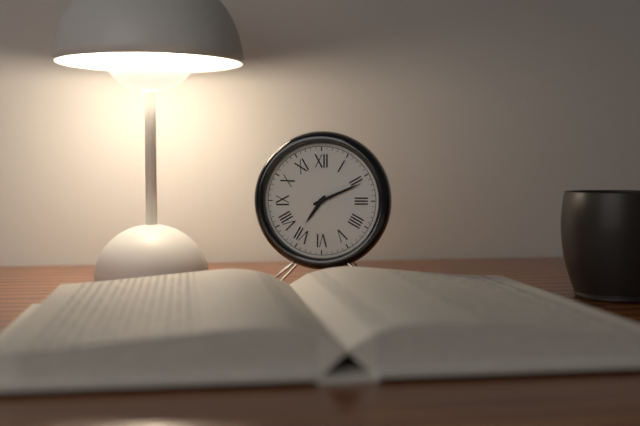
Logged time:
7h11
